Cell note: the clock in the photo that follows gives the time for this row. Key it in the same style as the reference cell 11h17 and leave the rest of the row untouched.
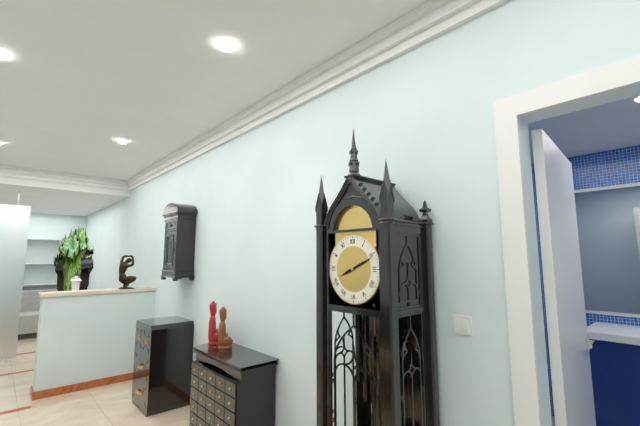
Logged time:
8h11
